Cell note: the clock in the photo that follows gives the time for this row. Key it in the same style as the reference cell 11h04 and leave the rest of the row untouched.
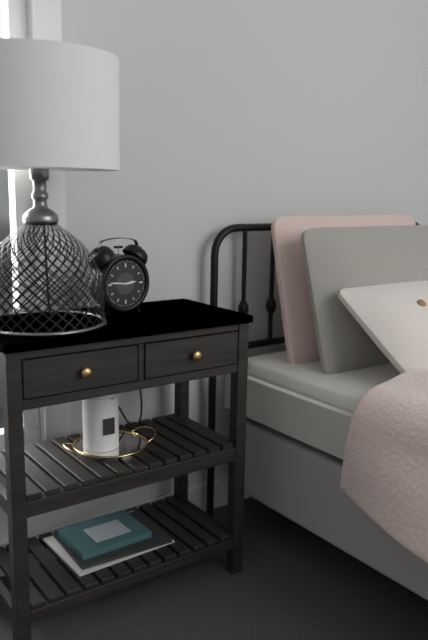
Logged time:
2h46
